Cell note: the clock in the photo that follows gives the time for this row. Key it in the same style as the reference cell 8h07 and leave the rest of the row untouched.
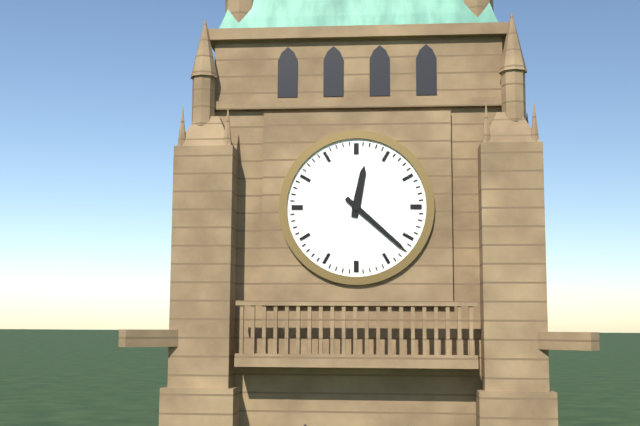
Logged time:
12h22
